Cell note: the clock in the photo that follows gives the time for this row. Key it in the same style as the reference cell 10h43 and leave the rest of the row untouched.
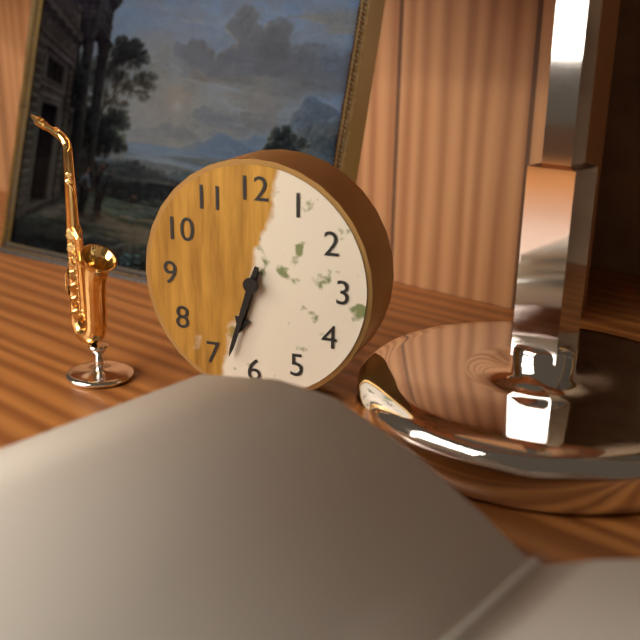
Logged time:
6h33
